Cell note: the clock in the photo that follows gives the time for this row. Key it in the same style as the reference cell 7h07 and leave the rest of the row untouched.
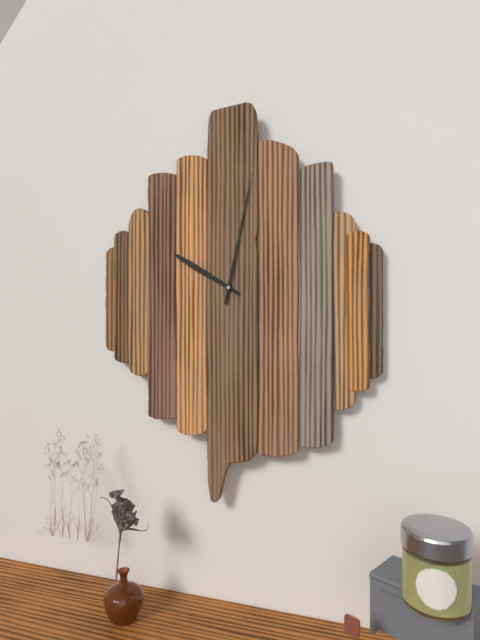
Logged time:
10h02
